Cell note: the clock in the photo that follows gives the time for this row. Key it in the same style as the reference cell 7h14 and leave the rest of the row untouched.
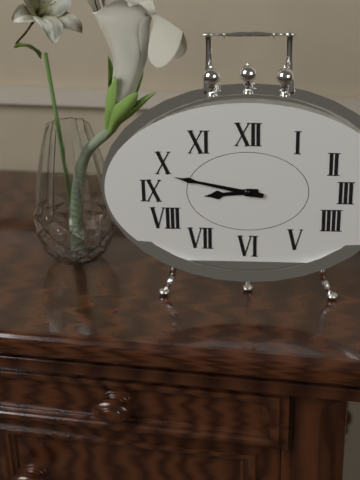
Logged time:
8h47
